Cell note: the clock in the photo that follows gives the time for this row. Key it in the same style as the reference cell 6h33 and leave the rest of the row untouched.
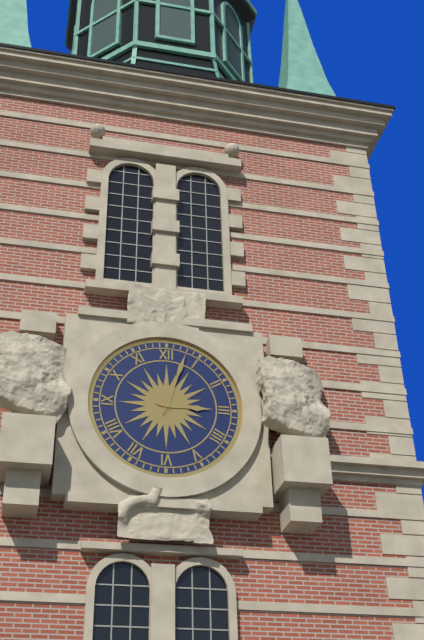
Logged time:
3h03
